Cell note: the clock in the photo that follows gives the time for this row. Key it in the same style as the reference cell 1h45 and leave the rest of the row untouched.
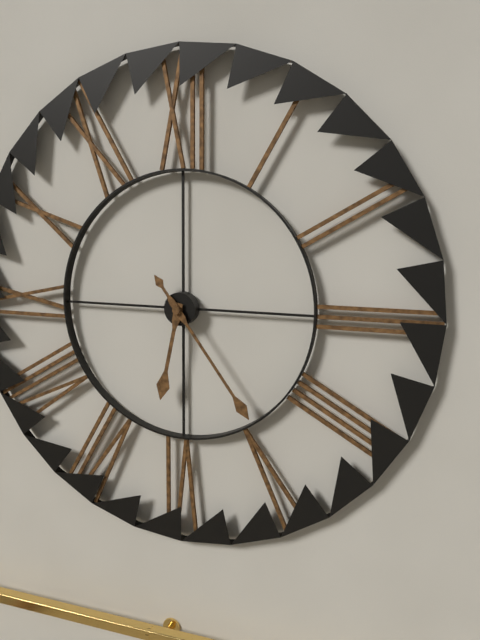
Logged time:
6h24
